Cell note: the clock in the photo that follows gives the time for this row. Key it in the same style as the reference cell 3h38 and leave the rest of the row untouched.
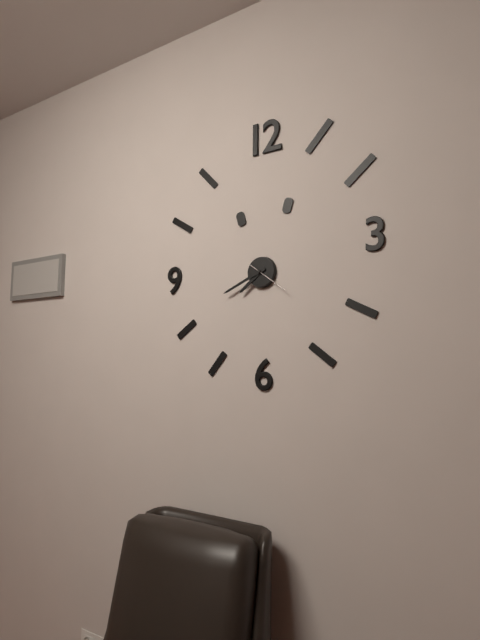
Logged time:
7h41
